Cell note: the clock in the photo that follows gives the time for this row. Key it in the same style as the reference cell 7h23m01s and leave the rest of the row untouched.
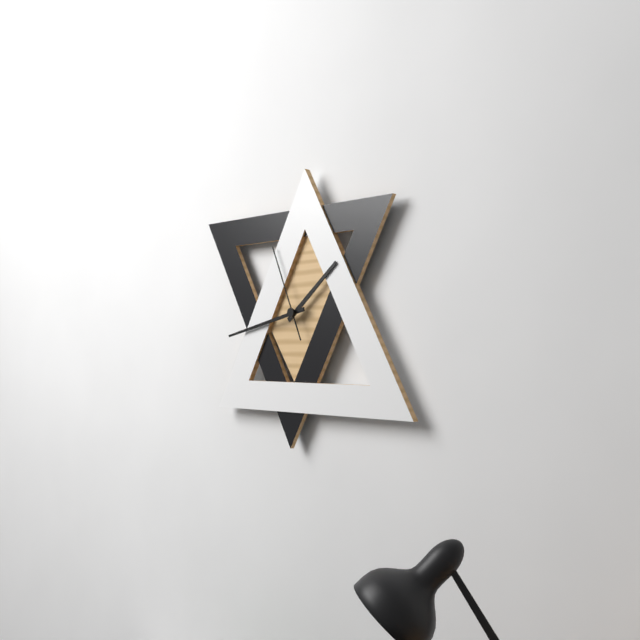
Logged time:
1h43m56s
